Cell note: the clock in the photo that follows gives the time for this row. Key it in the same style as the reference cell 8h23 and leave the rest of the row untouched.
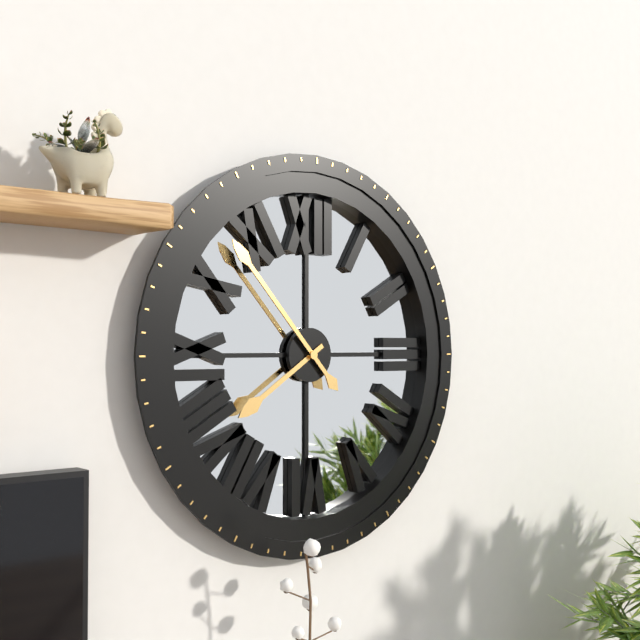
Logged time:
7h53
